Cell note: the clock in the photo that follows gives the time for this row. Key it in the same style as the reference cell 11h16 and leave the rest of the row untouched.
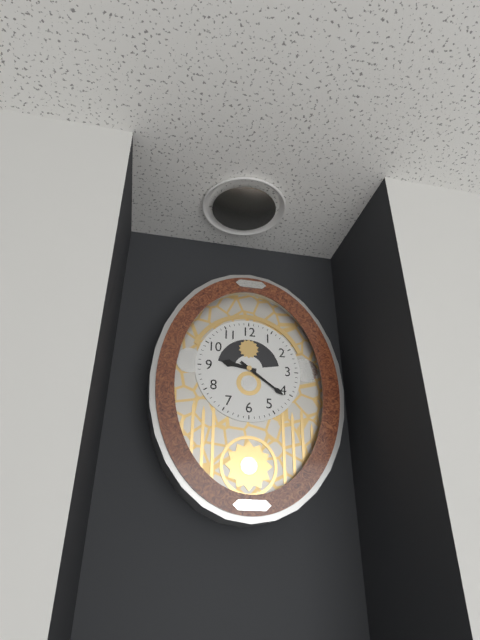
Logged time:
9h21
